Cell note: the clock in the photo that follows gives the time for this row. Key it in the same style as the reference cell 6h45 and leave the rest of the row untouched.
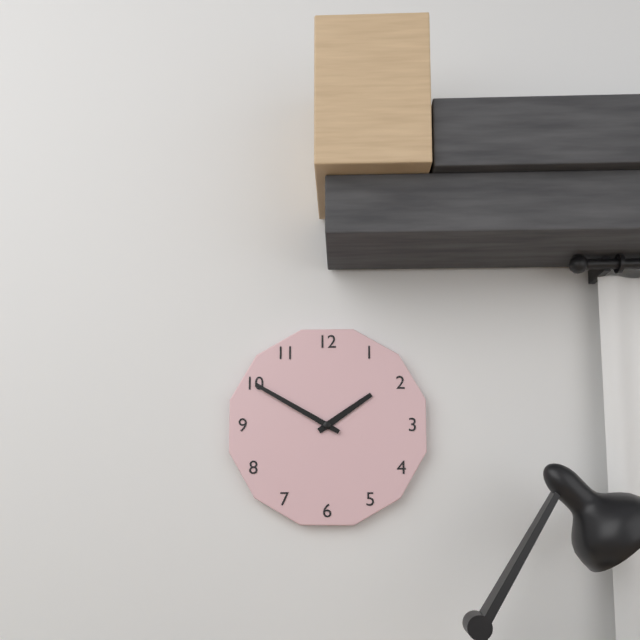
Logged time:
1h50
